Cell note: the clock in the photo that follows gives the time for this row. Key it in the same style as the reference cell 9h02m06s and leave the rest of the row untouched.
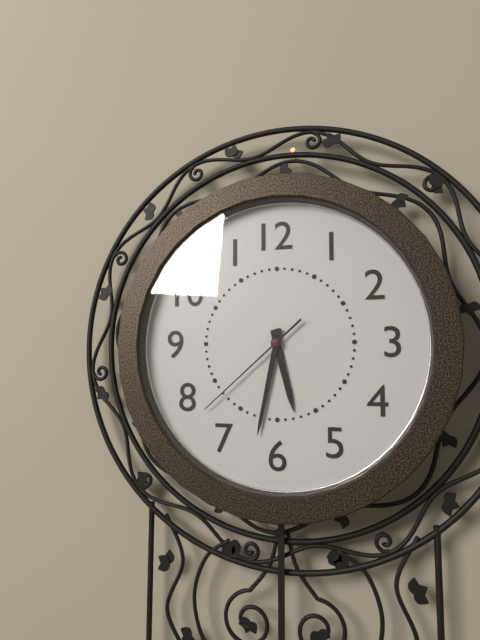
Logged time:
5h32m38s
